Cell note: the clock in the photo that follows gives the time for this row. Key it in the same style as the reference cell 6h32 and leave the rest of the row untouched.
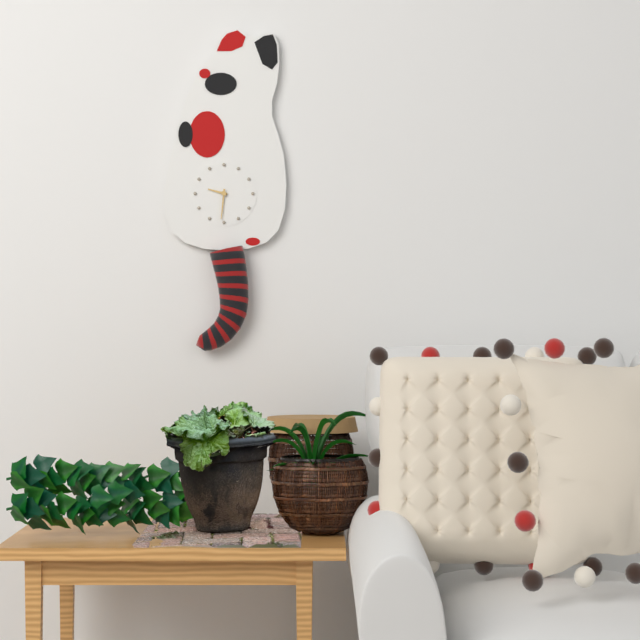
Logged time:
9h31
